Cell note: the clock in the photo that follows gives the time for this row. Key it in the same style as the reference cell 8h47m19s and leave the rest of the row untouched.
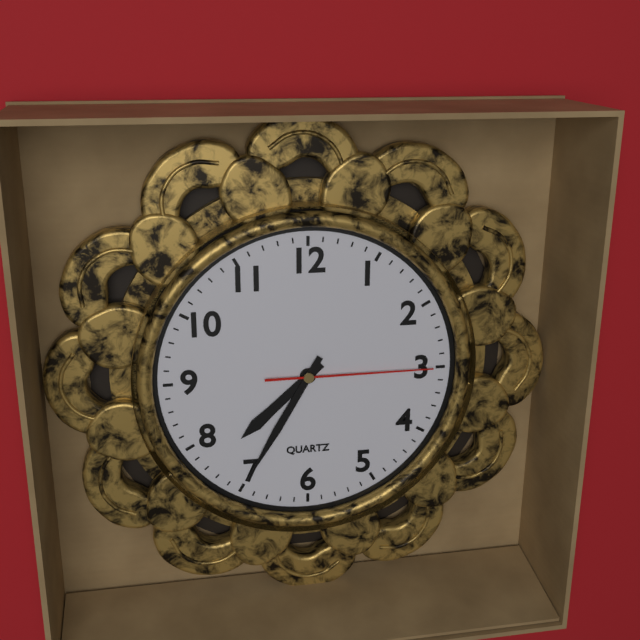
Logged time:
7h35m15s
